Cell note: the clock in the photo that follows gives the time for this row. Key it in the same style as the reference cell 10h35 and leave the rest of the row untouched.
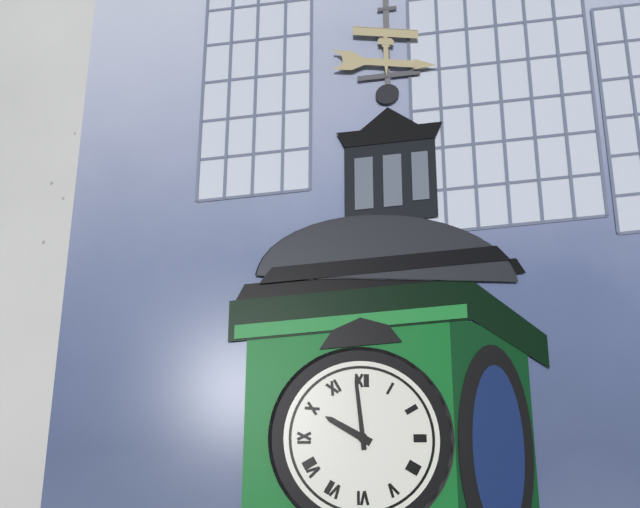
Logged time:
9h59
